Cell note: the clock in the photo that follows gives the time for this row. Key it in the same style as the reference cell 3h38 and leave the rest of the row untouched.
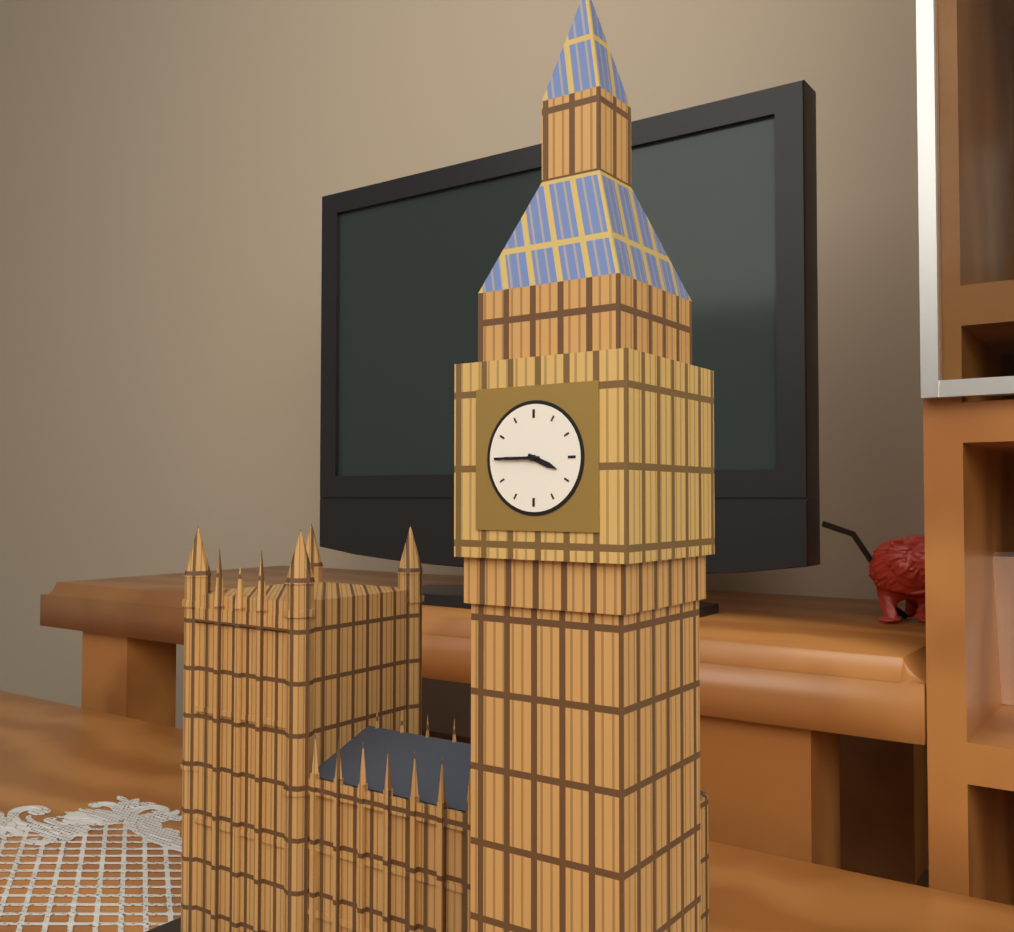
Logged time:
3h45
